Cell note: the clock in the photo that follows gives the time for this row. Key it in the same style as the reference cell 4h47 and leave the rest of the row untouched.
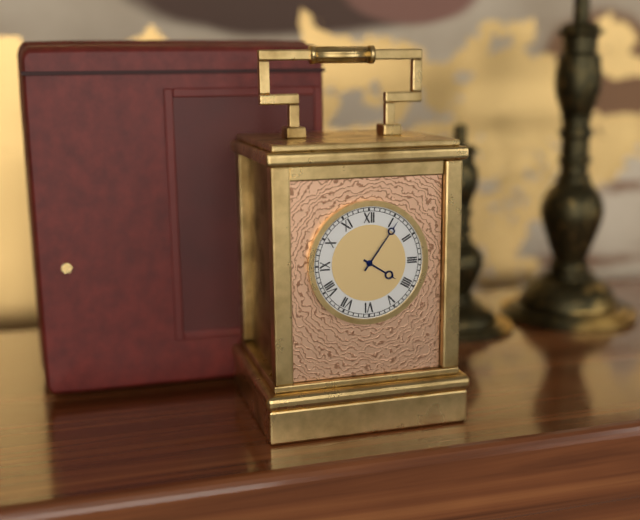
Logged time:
4h06
